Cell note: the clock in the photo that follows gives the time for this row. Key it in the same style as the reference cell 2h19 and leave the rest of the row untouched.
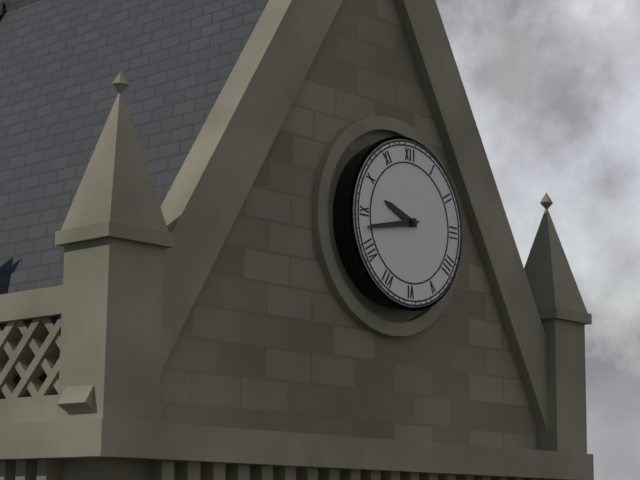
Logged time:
9h43
